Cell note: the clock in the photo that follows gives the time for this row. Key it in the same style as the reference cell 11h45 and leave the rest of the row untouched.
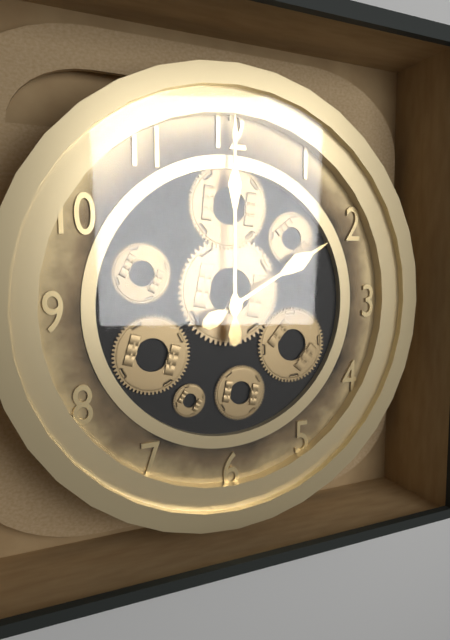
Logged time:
2h00
